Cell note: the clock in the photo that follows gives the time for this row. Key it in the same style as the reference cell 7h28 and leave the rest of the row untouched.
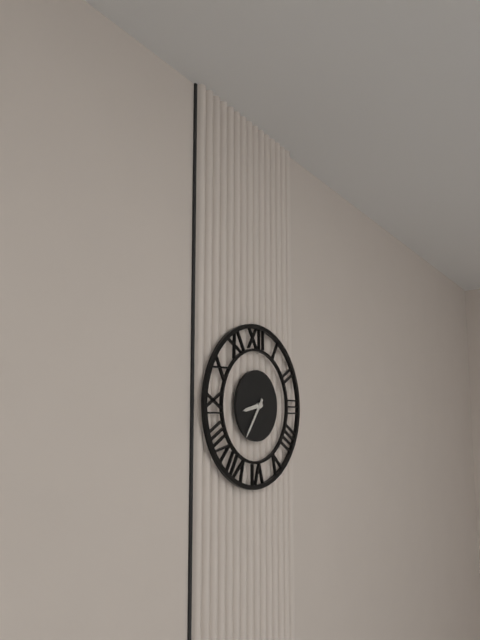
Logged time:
8h36
